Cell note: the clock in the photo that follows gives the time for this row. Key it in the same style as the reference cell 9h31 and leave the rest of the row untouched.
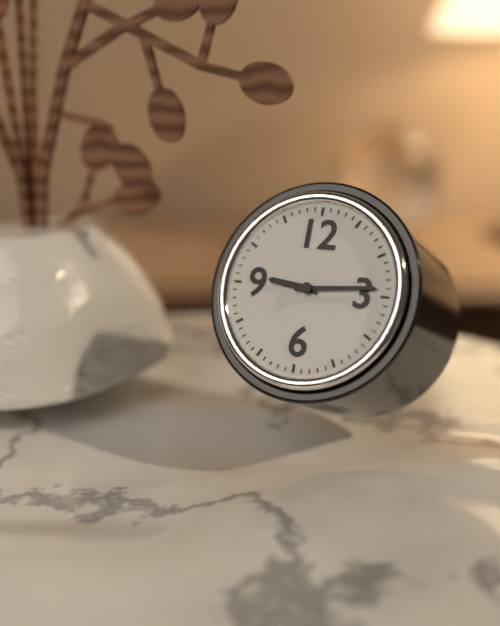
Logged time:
9h14
